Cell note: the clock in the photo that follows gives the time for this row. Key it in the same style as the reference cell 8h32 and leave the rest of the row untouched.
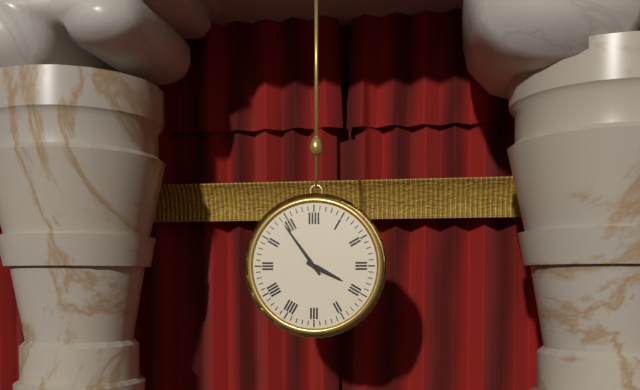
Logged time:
3h54
